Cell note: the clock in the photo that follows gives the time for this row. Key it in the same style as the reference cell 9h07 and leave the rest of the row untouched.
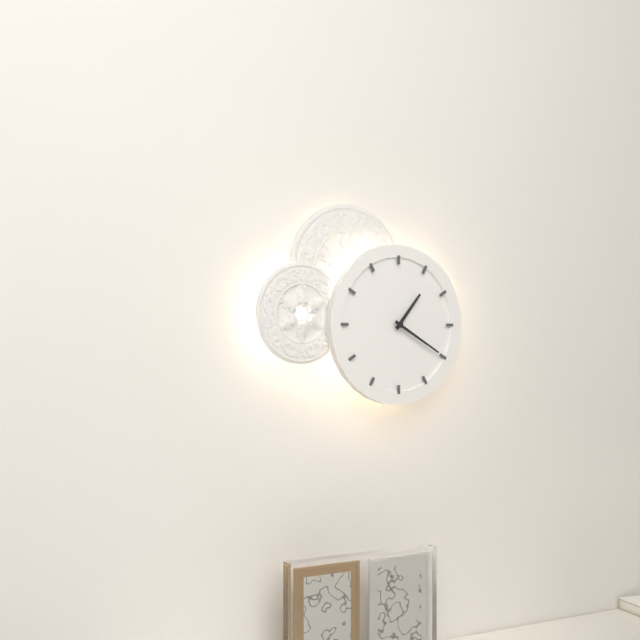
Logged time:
1h20
